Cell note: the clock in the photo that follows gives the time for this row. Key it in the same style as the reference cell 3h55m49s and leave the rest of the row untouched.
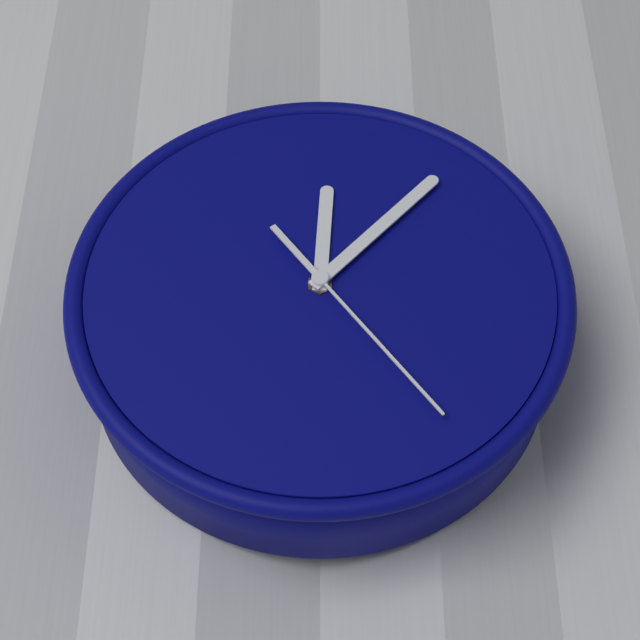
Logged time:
12h07m24s
